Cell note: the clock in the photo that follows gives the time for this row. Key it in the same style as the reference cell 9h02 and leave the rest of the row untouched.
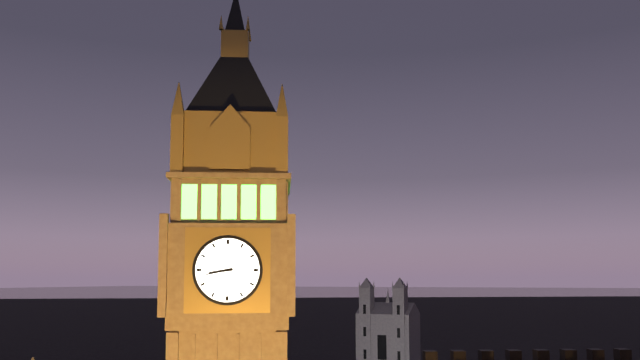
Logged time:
8h43
